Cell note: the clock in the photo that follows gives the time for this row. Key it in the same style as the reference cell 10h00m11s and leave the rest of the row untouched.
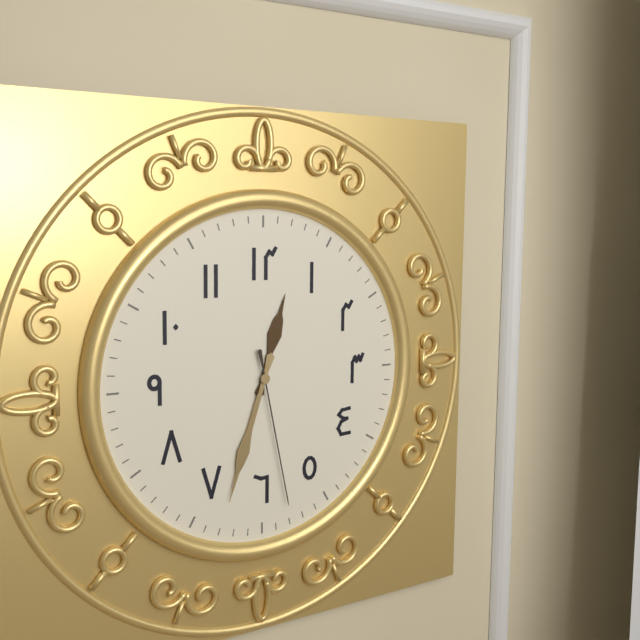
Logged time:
12h33m28s
